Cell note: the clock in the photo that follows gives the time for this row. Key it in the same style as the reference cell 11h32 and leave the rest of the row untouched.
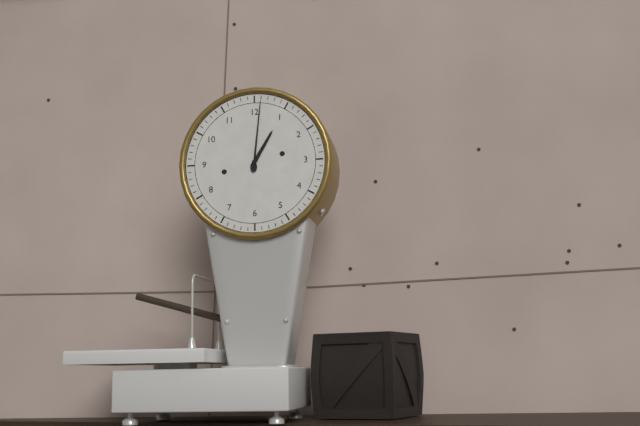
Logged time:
1h01
